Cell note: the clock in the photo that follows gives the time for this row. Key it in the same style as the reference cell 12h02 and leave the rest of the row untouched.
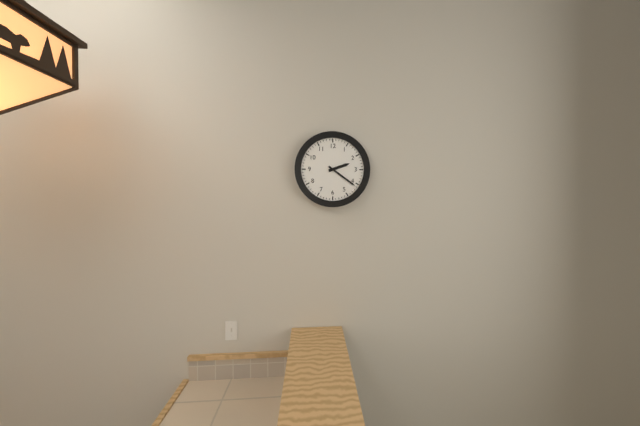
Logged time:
2h21
